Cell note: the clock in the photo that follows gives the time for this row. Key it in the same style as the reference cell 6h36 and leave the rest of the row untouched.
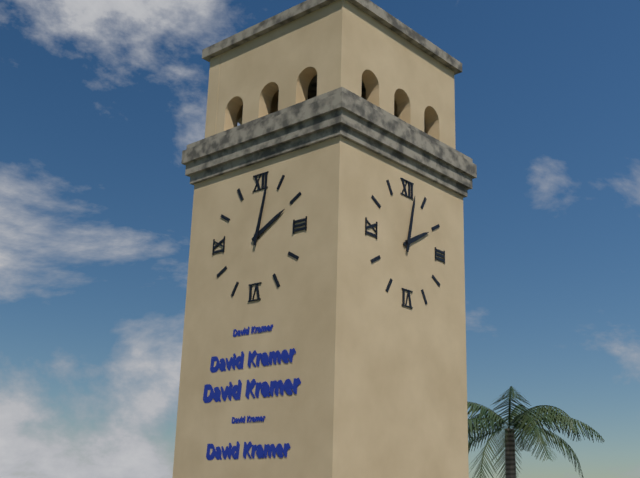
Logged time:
2h02
